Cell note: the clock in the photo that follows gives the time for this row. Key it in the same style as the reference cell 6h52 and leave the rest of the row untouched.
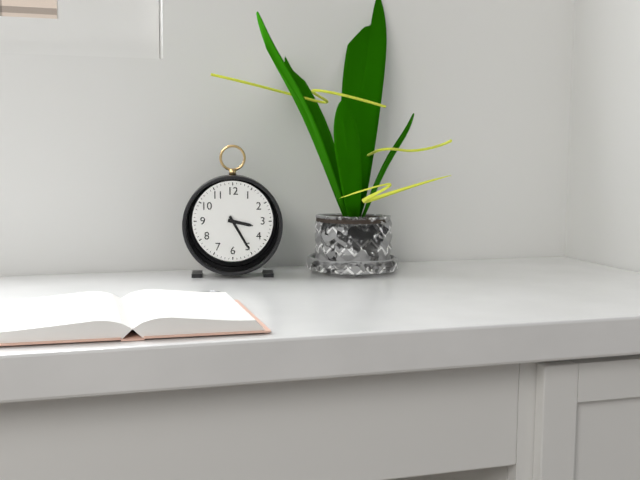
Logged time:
3h25
